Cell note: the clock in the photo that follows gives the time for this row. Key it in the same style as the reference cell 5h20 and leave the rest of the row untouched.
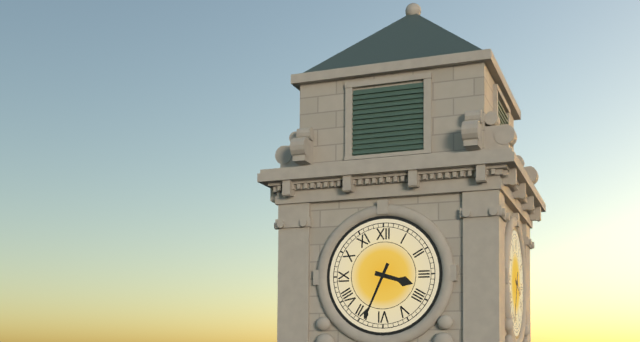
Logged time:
3h34
